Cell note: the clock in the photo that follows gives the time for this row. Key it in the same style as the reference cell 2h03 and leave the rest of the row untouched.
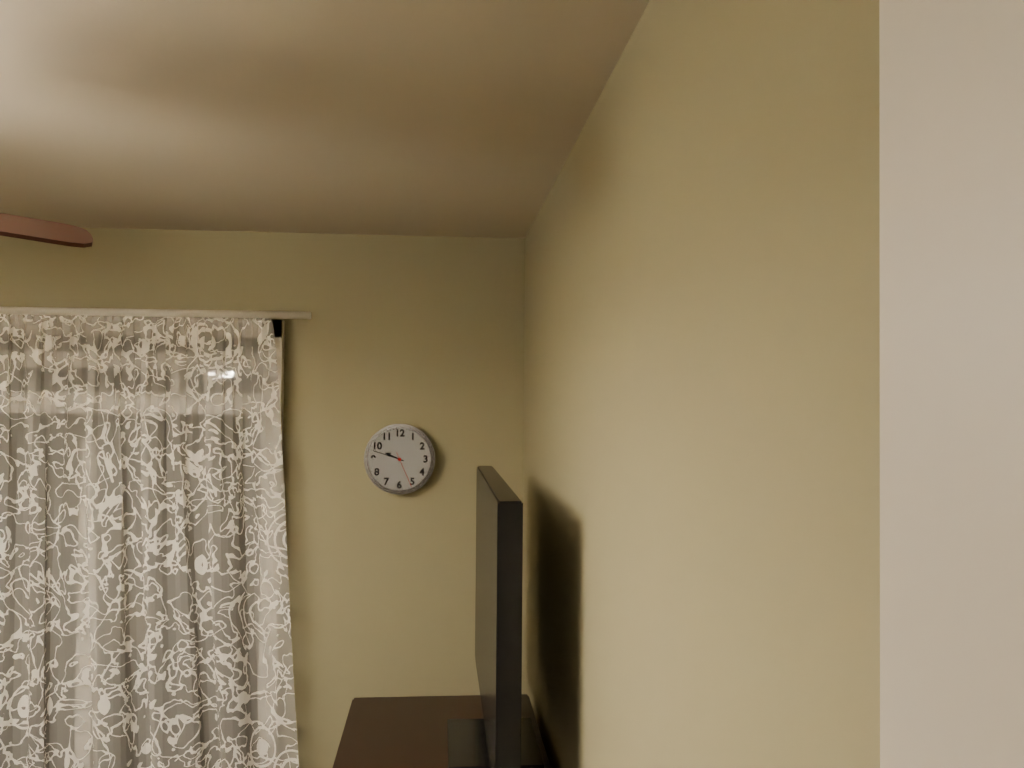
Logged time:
9h48
